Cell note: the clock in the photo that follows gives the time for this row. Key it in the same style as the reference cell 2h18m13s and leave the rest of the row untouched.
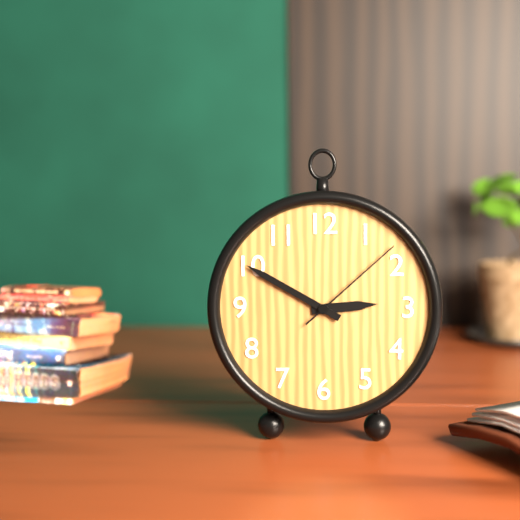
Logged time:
2h50m08s
